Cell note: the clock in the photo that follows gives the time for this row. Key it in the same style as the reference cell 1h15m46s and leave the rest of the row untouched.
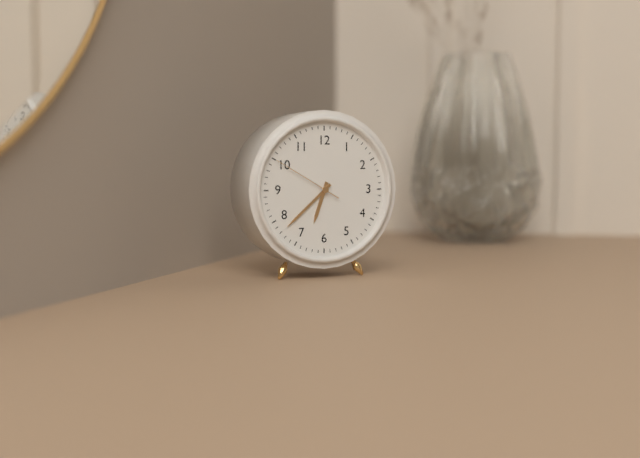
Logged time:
6h38m50s
